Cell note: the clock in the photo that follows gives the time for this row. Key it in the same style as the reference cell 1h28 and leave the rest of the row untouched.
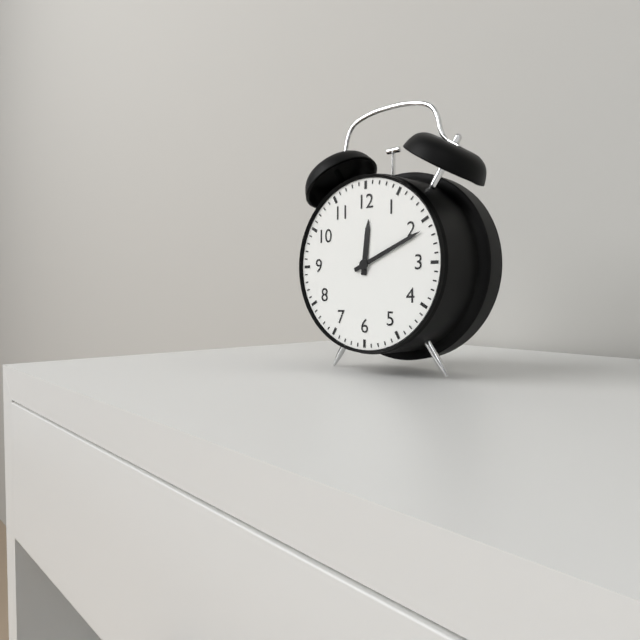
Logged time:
12h11
